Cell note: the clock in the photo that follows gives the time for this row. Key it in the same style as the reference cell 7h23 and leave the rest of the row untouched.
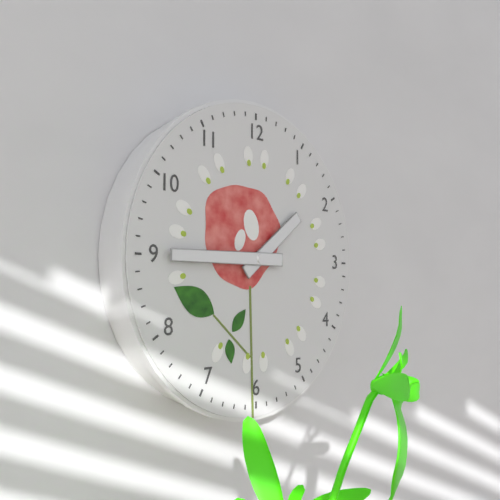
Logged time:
1h45
